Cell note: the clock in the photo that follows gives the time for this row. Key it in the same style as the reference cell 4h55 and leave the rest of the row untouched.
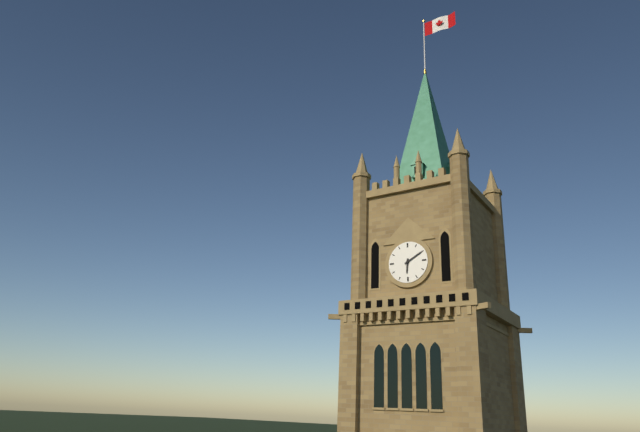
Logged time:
6h10
